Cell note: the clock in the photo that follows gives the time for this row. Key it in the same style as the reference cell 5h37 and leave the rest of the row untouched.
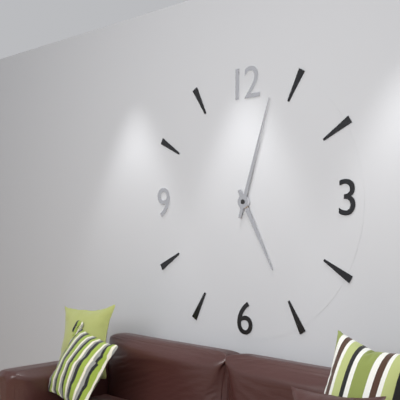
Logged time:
5h03
